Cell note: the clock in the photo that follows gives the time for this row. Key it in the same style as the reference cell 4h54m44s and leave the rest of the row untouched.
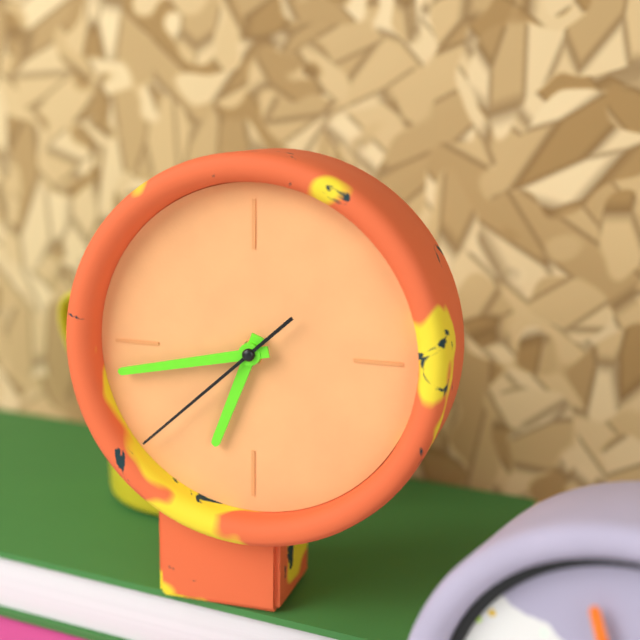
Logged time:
6h43m38s
